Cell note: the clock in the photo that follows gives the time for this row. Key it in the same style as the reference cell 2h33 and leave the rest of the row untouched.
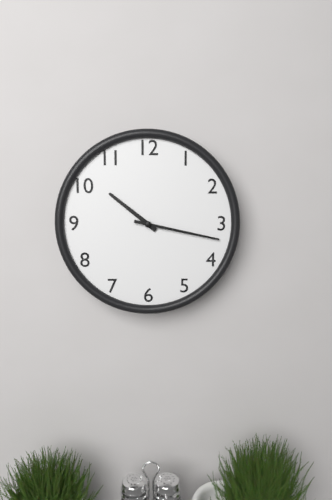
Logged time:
10h17
